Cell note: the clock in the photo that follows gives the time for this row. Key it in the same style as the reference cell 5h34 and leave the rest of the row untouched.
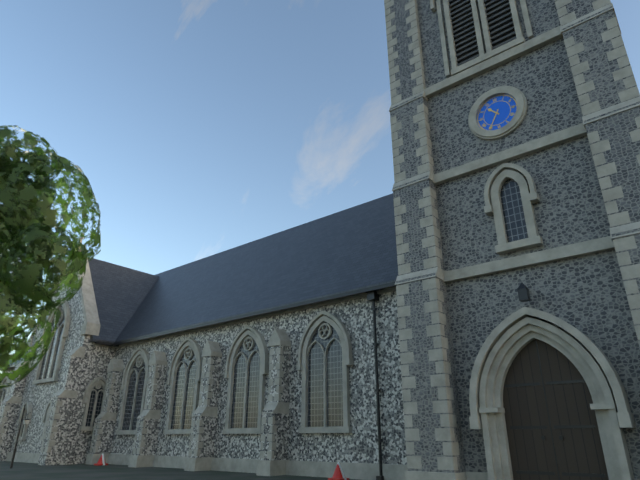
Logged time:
10h35
